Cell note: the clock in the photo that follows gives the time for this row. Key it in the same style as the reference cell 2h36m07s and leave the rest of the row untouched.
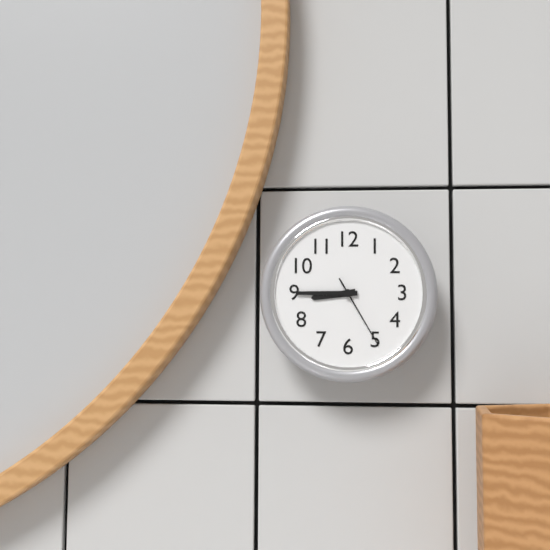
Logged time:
8h45m25s
